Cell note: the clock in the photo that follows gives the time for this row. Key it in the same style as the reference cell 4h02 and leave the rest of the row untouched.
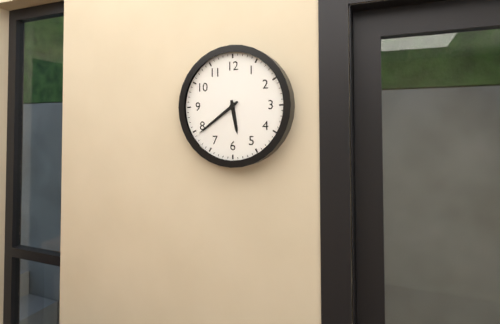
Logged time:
5h39
